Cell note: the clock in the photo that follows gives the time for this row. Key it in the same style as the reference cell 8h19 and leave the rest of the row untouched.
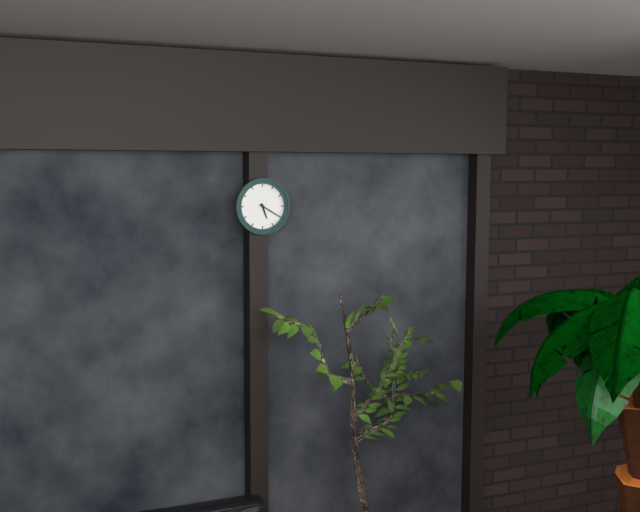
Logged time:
5h20
